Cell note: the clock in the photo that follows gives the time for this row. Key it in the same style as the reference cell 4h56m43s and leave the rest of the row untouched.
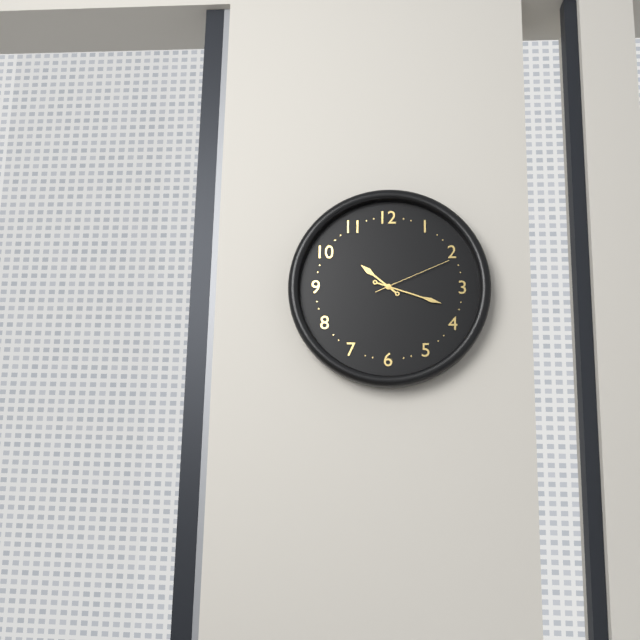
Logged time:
10h18m11s
